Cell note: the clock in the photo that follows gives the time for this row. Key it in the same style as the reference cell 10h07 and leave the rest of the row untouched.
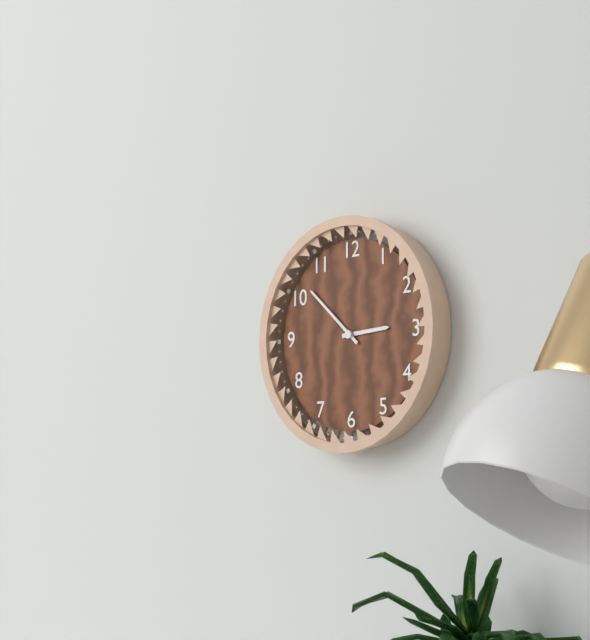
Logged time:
2h52
